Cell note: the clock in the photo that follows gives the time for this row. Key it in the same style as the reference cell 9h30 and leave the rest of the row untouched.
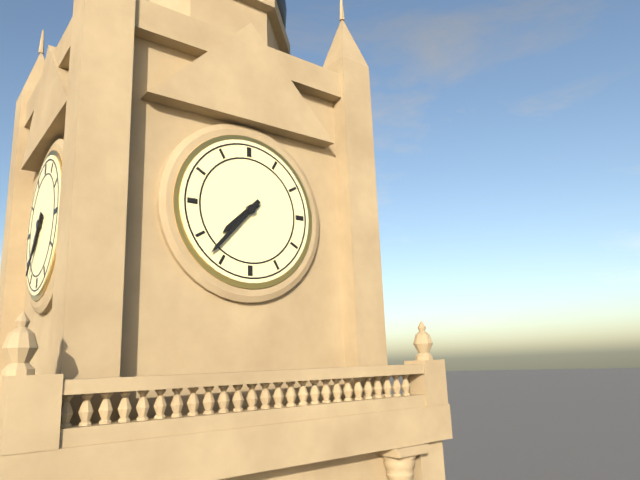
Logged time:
7h37
